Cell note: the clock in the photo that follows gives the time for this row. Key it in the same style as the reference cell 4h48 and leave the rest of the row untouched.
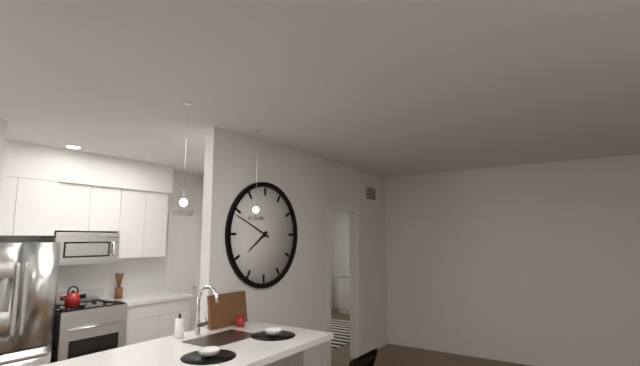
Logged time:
7h49
